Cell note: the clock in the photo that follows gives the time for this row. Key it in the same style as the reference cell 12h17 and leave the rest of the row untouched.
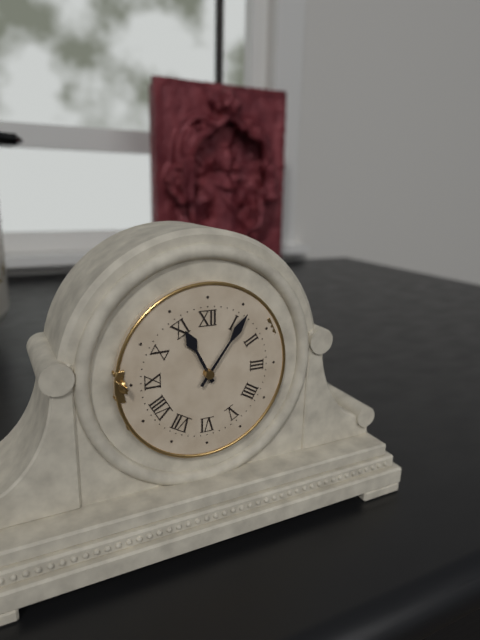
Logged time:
11h06
